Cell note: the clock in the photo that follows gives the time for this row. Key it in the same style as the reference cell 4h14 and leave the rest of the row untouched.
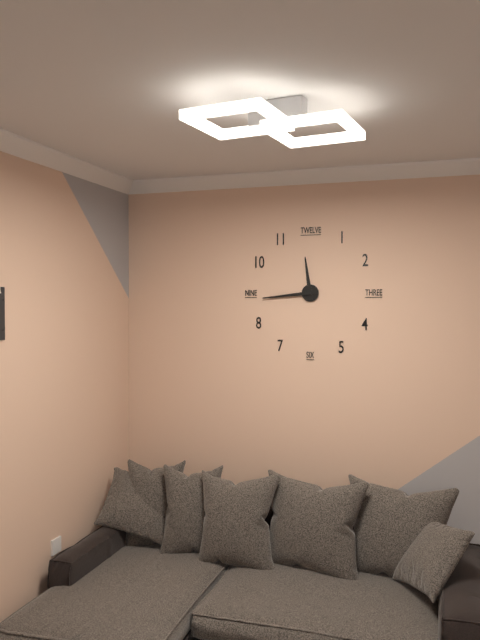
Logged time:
11h44
